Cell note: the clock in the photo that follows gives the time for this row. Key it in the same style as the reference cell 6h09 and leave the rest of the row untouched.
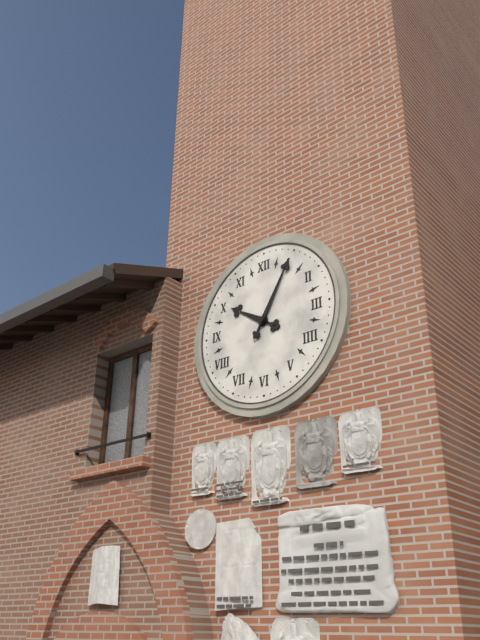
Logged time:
10h05
